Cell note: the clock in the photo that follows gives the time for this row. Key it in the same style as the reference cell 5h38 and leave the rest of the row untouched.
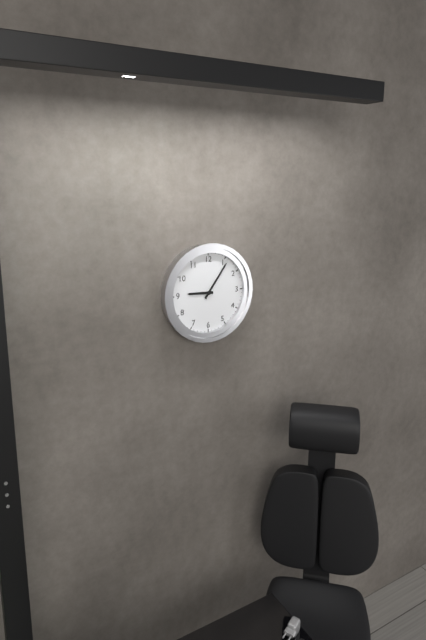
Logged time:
9h06
